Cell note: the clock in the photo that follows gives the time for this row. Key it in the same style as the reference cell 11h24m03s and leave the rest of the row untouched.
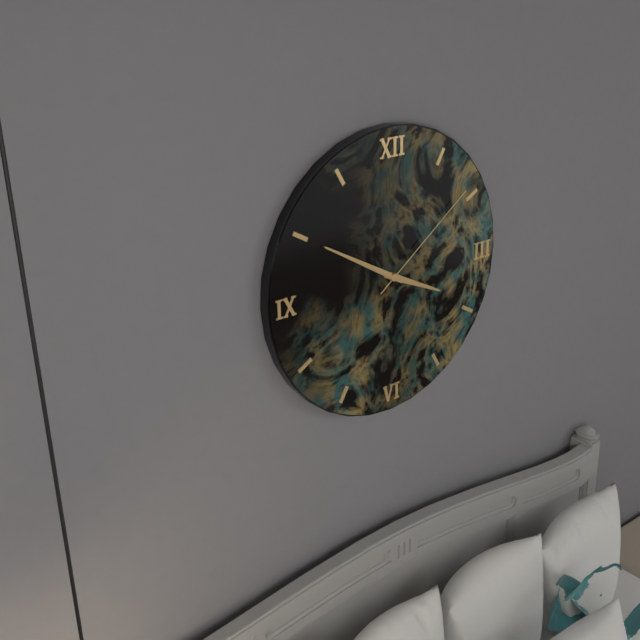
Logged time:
3h50m09s
